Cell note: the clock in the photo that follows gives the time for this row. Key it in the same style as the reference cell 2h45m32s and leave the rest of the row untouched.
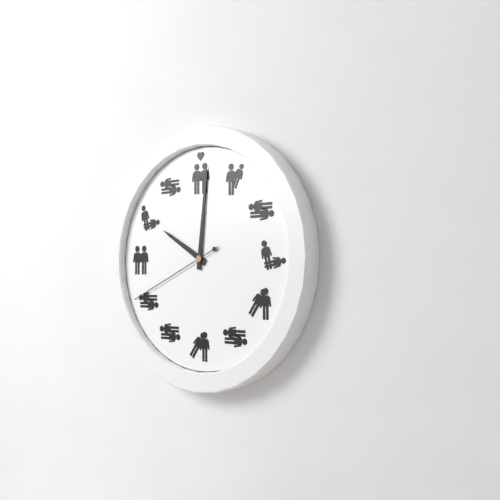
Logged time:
10h01m41s
